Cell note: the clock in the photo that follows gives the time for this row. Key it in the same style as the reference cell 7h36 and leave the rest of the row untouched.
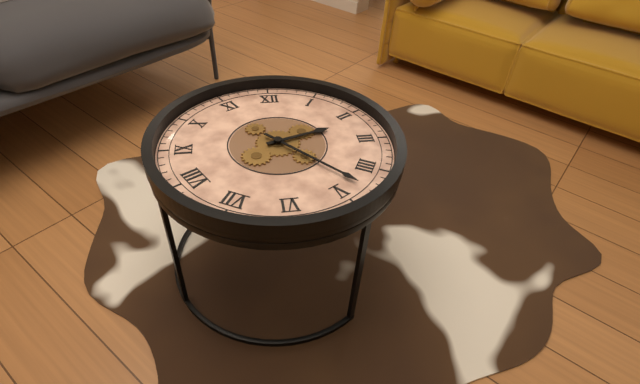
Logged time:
2h23
